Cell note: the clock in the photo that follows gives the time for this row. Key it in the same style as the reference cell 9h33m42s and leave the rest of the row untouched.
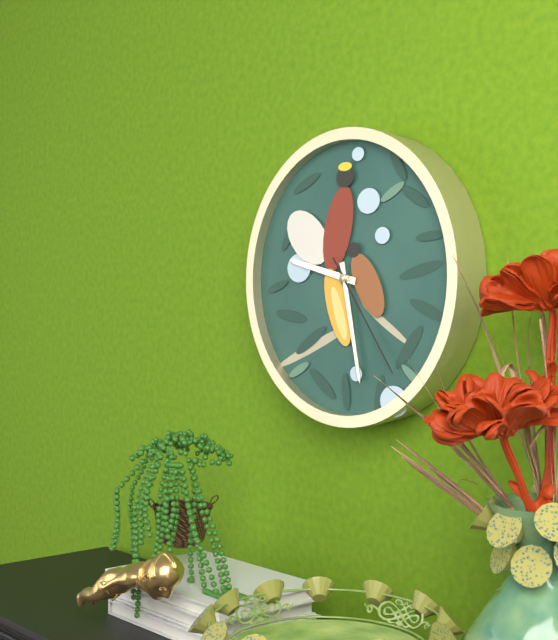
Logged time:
9h28m24s
